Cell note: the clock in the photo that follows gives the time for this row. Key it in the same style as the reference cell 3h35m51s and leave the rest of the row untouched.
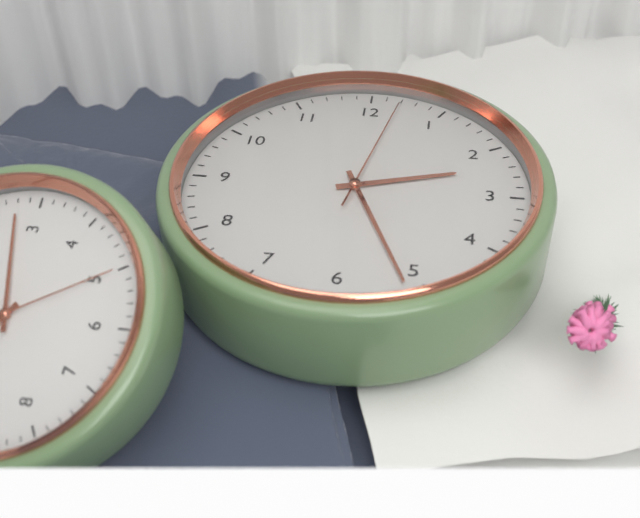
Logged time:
2h26m02s
